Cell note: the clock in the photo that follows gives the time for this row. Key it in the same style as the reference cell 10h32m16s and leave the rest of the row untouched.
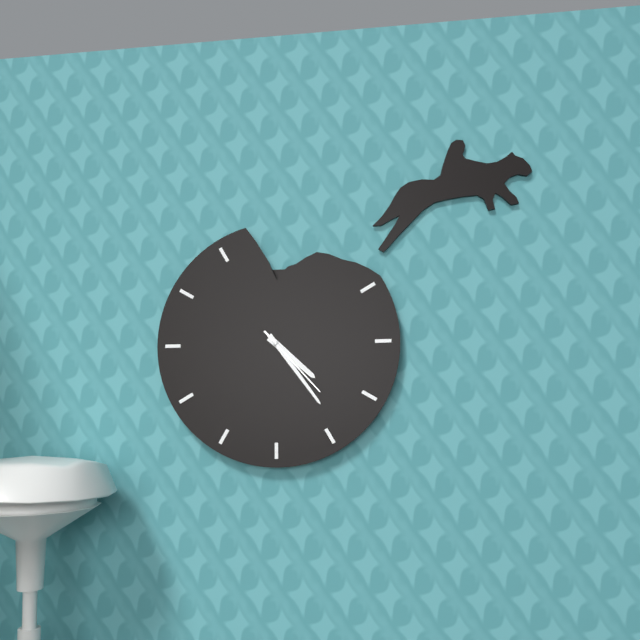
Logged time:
4h24m23s
